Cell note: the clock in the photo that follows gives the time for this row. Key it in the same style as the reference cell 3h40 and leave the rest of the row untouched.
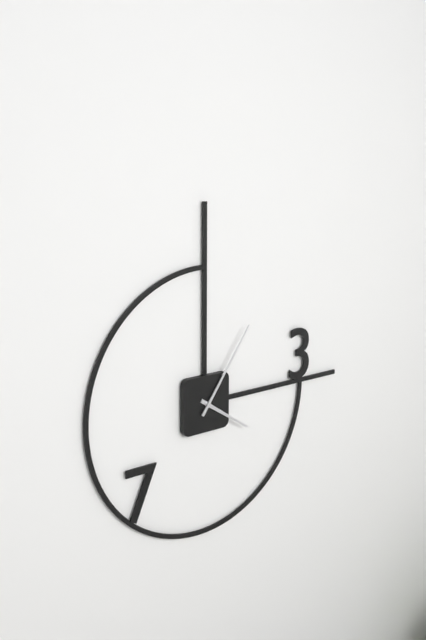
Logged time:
4h06
